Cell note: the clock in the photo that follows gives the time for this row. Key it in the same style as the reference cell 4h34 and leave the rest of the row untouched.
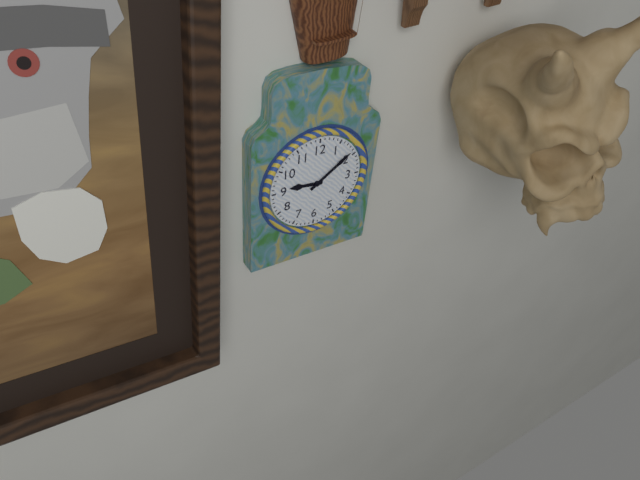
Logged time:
9h09
